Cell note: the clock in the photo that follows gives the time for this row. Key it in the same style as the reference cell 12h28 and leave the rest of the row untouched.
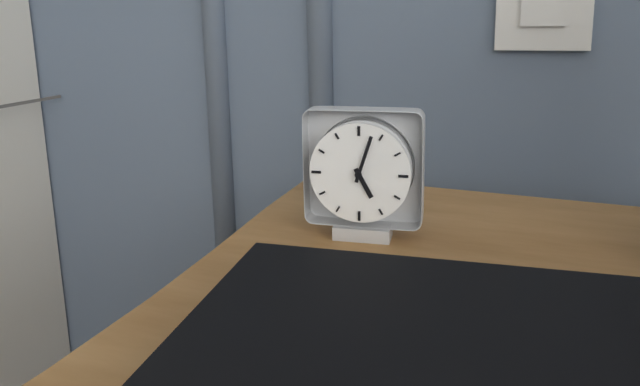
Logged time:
5h03
